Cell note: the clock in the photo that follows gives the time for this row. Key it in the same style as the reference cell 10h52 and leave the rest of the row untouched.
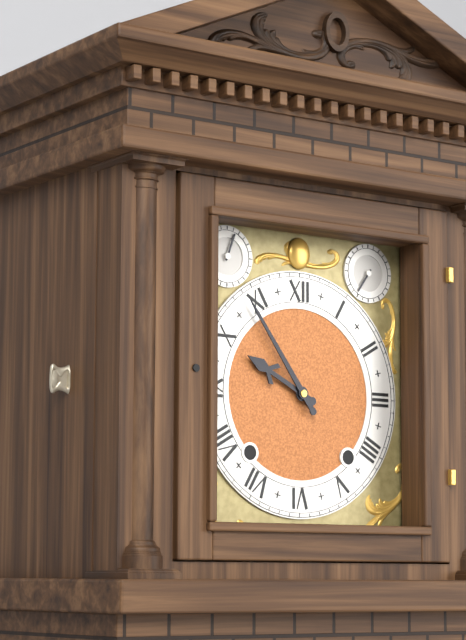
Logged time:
9h54
